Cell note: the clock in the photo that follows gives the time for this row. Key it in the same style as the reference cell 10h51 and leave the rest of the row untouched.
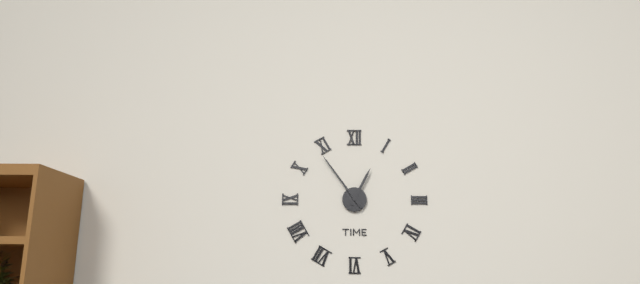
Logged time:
12h54
